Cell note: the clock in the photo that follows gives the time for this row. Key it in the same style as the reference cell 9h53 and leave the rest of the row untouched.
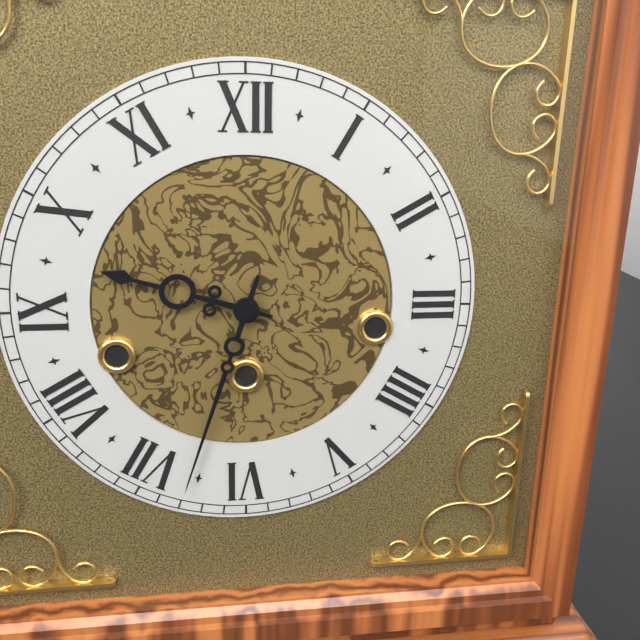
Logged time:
9h33
